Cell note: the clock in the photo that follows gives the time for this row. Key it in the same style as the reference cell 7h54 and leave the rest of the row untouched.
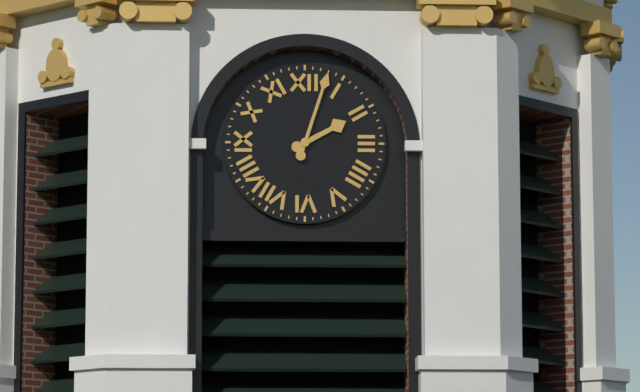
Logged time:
2h03
